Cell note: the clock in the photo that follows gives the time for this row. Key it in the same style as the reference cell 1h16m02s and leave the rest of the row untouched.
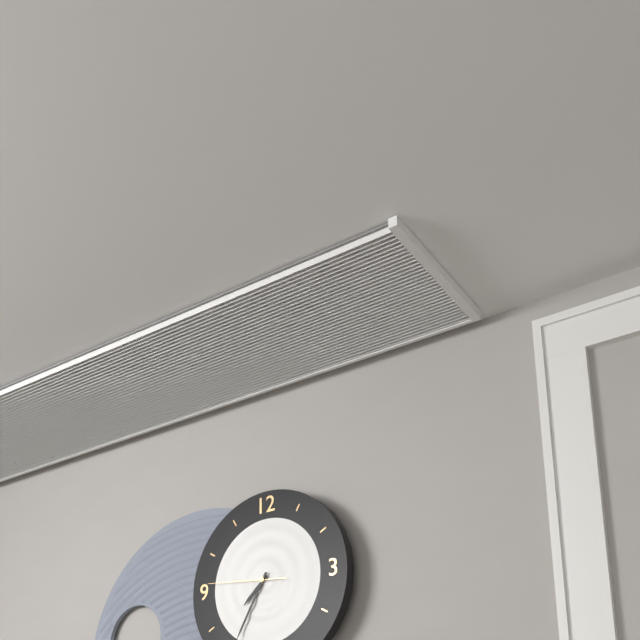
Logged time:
7h35m46s
